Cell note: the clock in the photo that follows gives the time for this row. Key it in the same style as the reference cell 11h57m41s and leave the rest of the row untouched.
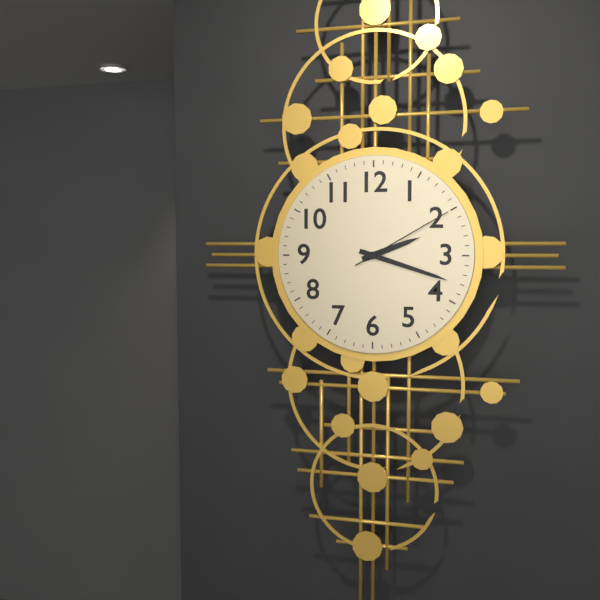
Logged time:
2h18m10s
